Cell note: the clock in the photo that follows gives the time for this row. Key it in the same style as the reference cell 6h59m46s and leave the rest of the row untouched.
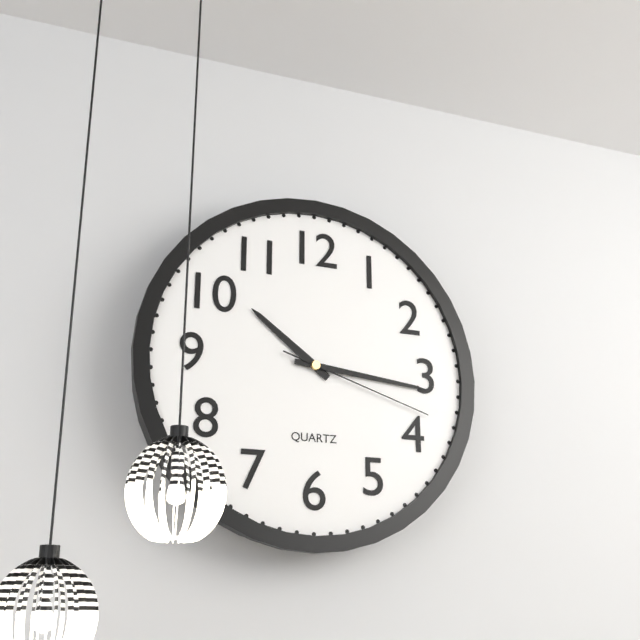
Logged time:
10h16m18s
